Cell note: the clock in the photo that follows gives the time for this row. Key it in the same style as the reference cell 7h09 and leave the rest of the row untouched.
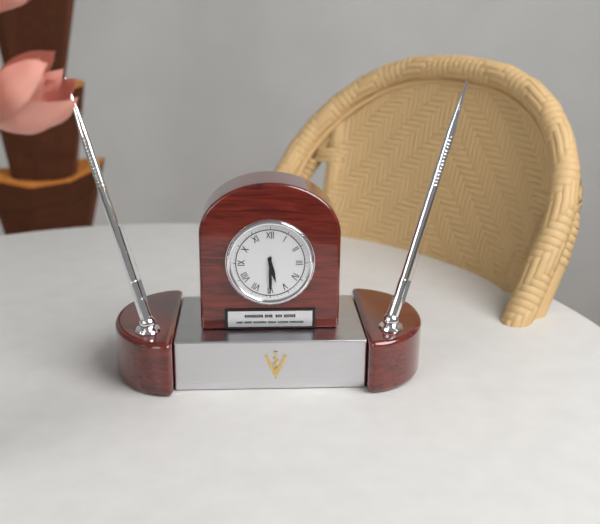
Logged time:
5h30
